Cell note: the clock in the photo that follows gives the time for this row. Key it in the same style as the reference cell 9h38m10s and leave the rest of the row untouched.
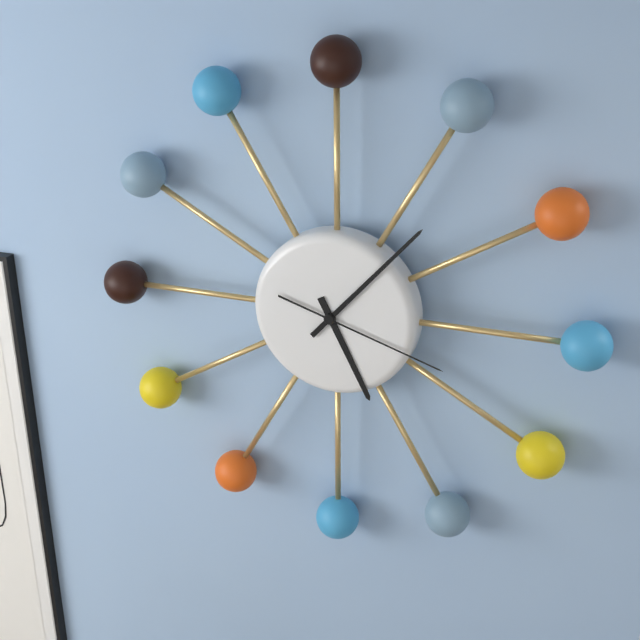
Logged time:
5h07m18s
